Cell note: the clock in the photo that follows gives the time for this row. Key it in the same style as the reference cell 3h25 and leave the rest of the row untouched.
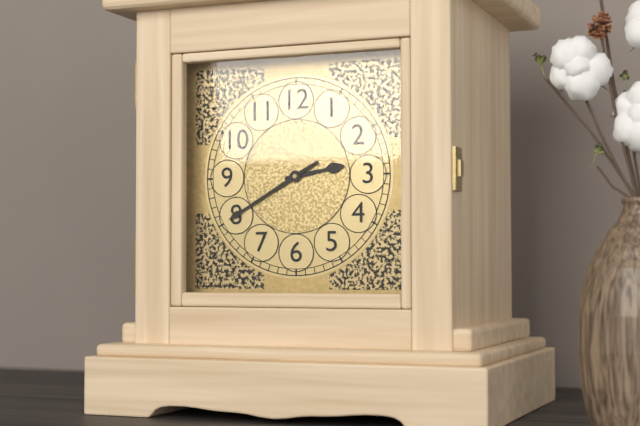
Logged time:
2h40
